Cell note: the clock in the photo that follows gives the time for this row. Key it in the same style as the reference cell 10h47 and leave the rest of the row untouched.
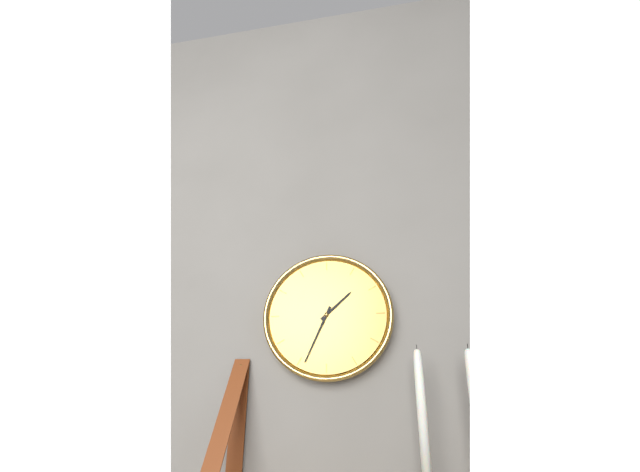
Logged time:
1h34
